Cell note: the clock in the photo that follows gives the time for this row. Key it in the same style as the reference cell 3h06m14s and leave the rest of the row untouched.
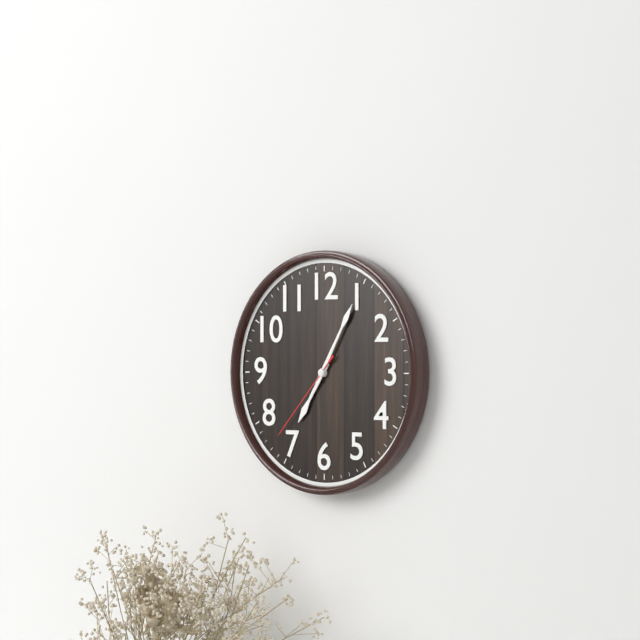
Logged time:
7h05m37s
